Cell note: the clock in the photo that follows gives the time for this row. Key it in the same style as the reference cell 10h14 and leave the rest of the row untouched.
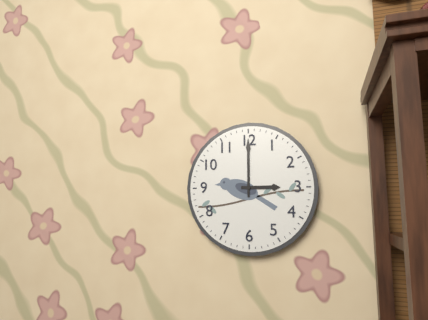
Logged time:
3h00
